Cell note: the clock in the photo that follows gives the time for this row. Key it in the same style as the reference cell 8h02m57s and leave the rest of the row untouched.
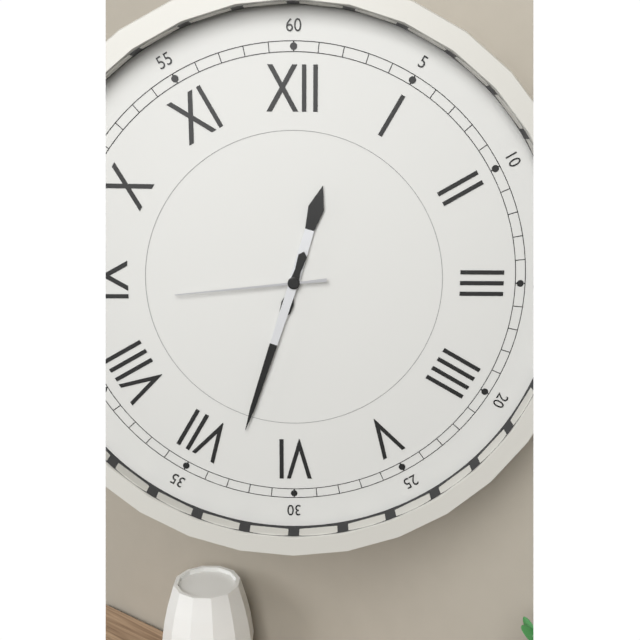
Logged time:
12h33m44s
